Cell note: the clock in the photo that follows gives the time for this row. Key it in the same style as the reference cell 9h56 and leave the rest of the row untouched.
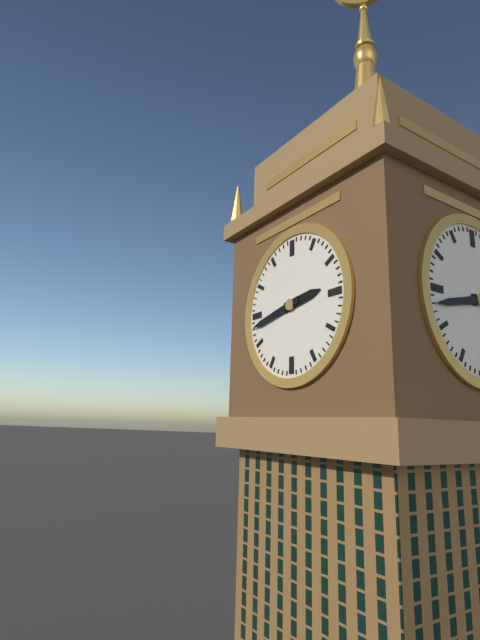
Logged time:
2h43
